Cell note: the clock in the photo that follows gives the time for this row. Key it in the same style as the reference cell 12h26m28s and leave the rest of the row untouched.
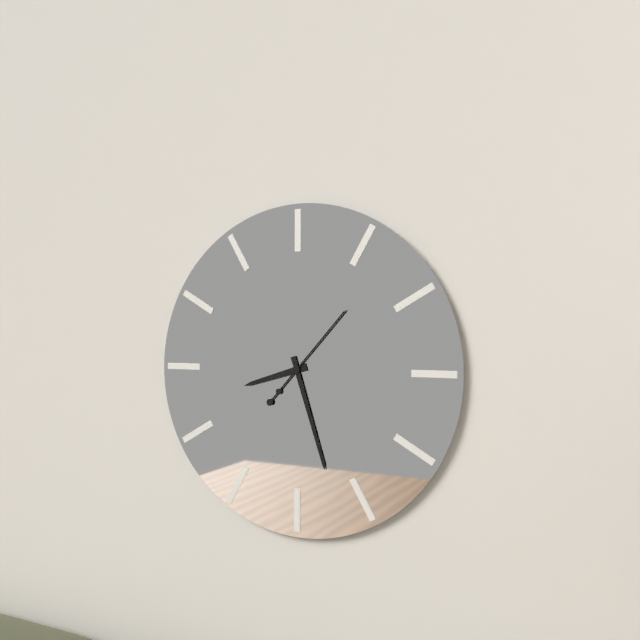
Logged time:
8h27m07s
